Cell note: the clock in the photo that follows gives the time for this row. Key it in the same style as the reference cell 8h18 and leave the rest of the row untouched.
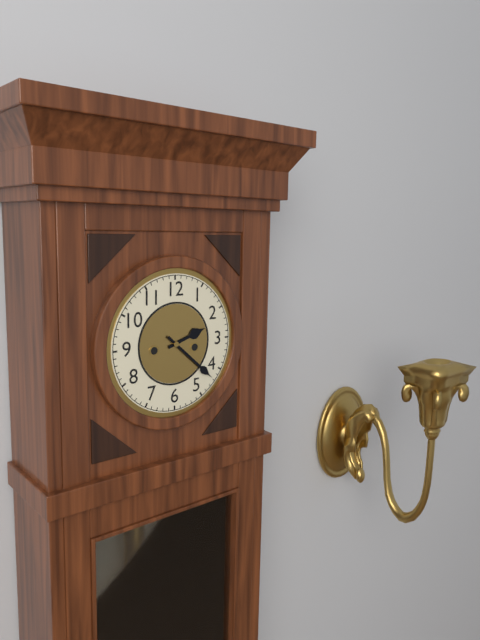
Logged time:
2h22
